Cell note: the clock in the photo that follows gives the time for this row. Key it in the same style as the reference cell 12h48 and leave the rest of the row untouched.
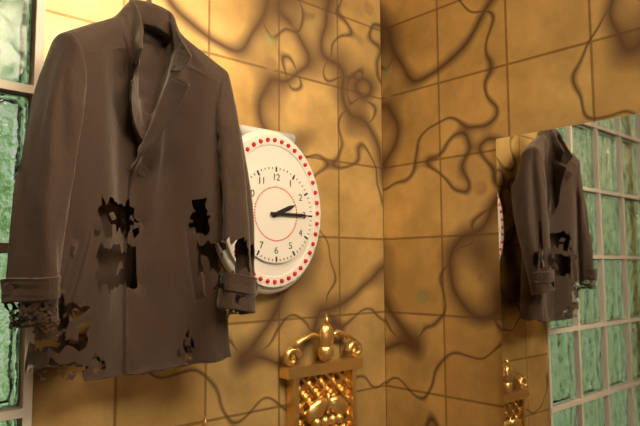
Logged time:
2h15
